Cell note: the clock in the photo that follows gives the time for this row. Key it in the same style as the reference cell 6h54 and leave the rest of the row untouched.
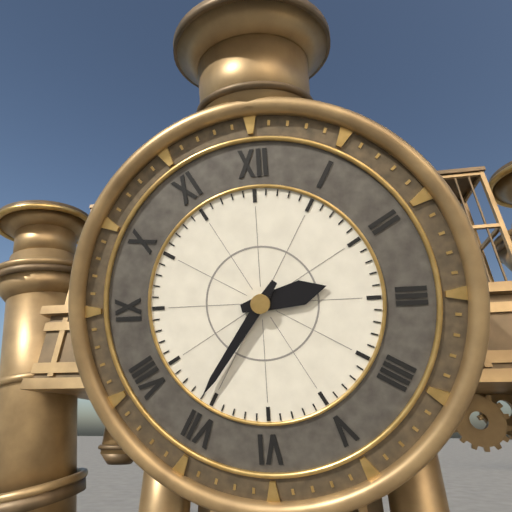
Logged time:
2h36
